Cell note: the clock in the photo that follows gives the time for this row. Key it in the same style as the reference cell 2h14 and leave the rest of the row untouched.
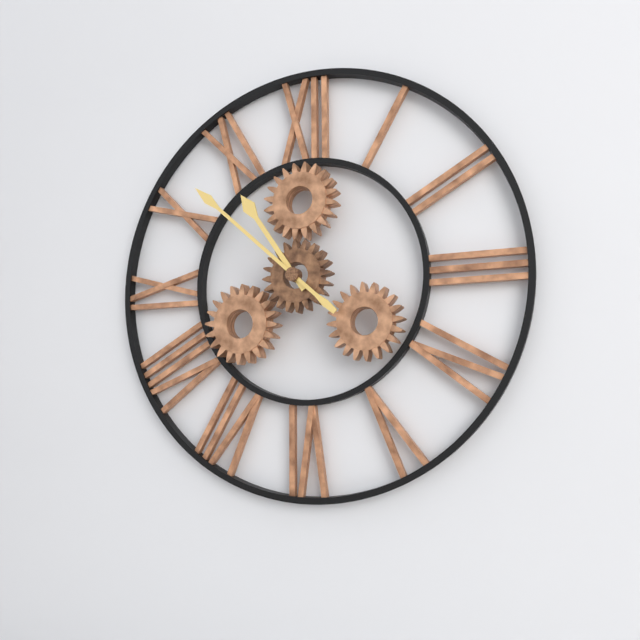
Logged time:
10h52
